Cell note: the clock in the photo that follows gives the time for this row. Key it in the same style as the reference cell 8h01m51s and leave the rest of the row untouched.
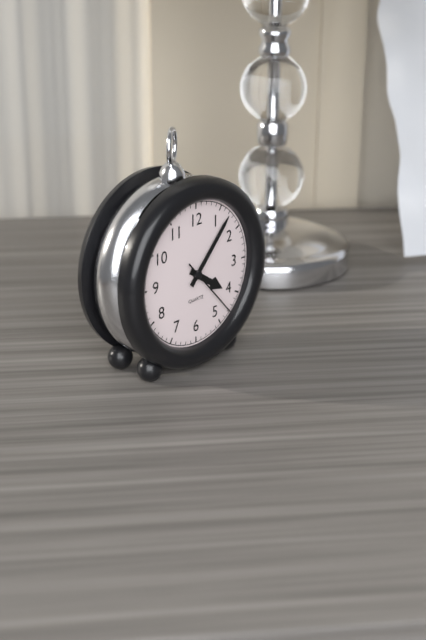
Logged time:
4h07m23s
